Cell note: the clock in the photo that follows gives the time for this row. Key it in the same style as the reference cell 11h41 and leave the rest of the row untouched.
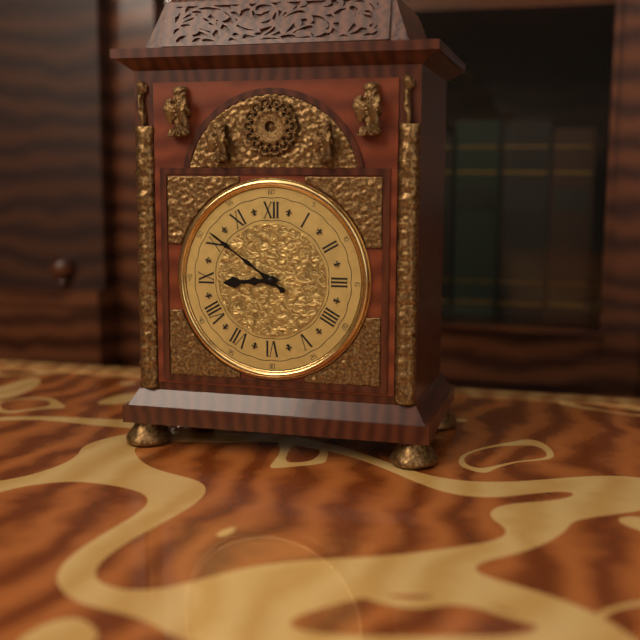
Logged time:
8h51
